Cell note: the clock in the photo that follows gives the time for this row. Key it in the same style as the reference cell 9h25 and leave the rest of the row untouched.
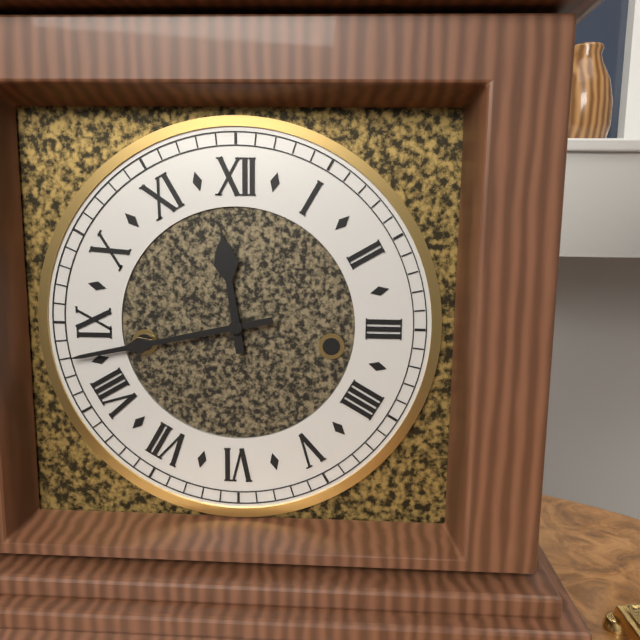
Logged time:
11h43
